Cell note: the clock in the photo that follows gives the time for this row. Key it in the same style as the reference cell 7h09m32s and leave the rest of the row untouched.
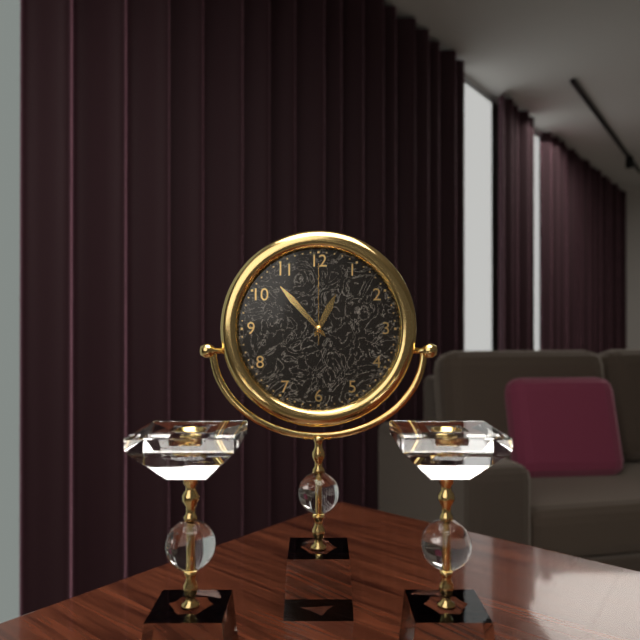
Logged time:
12h53m00s
